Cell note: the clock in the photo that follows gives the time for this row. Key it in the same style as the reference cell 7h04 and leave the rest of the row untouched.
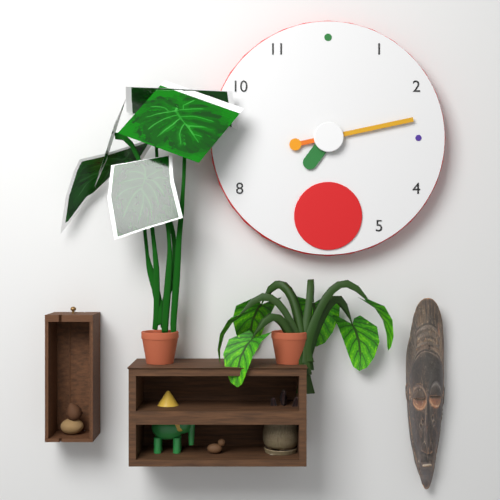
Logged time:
7h13
